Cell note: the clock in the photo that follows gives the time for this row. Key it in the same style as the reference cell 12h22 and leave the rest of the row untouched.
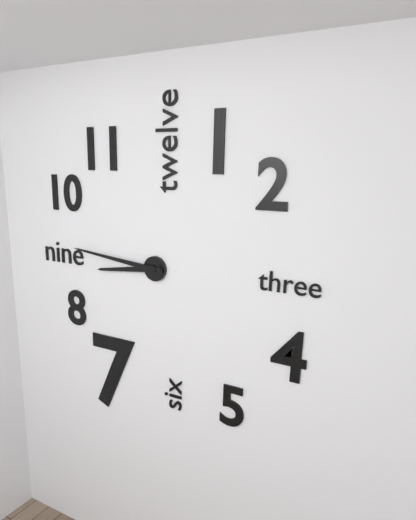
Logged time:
8h46
